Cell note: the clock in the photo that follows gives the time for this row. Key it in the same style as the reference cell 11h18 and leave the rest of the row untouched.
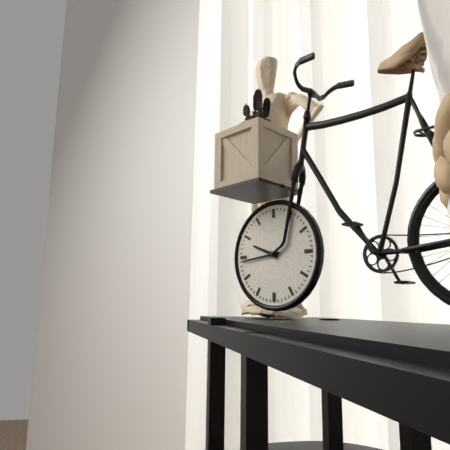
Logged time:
9h44
